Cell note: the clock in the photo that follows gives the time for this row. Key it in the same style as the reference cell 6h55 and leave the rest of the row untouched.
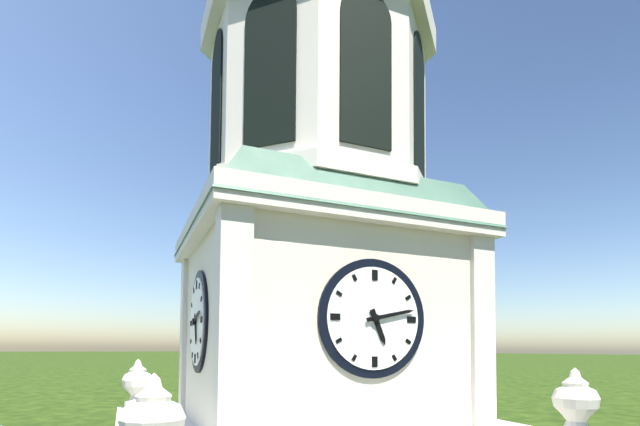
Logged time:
5h13
